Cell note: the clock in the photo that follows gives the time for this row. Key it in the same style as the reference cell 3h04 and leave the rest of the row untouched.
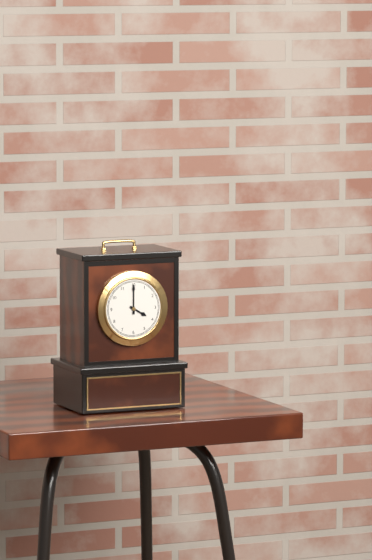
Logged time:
4h00
